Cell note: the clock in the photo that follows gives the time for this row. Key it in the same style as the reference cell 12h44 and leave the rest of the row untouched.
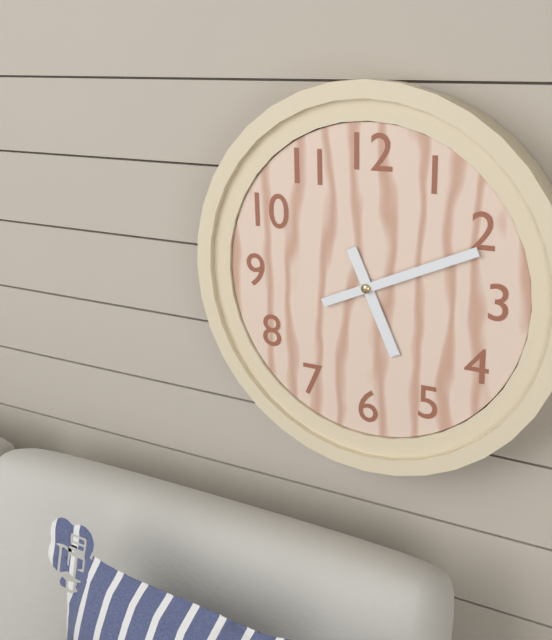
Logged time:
5h11
